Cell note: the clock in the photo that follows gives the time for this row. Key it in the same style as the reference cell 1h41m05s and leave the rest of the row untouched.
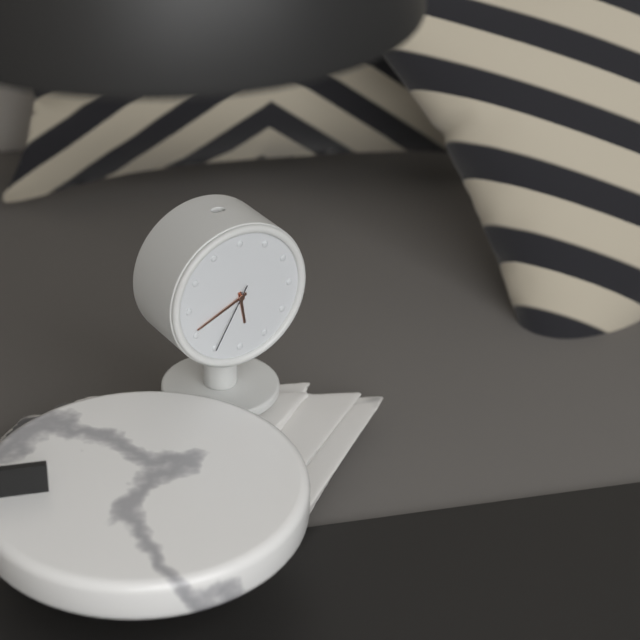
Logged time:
5h41m35s
